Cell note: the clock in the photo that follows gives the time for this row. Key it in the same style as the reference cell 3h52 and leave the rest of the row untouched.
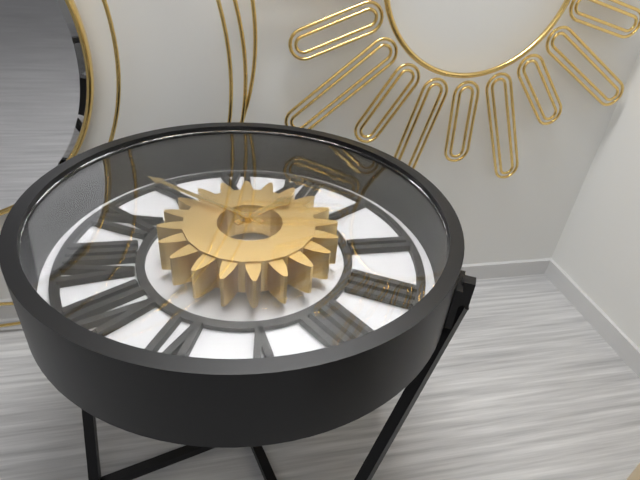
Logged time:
12h47
